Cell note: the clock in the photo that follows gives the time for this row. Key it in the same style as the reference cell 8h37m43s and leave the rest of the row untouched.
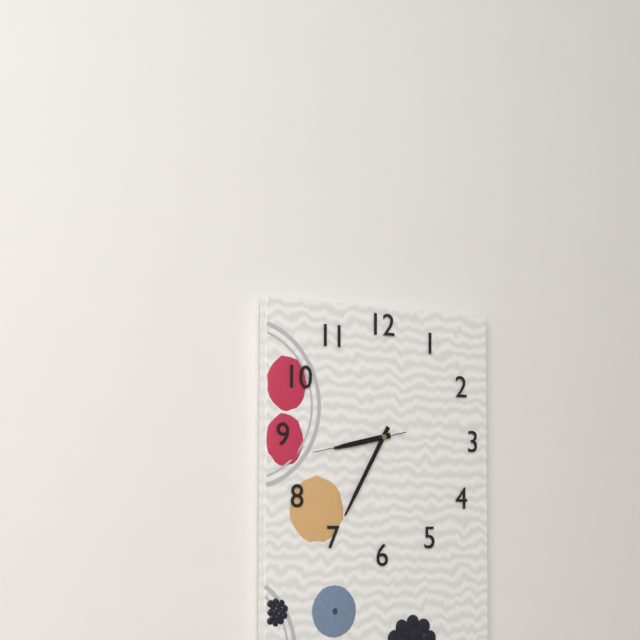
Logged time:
8h35m43s
